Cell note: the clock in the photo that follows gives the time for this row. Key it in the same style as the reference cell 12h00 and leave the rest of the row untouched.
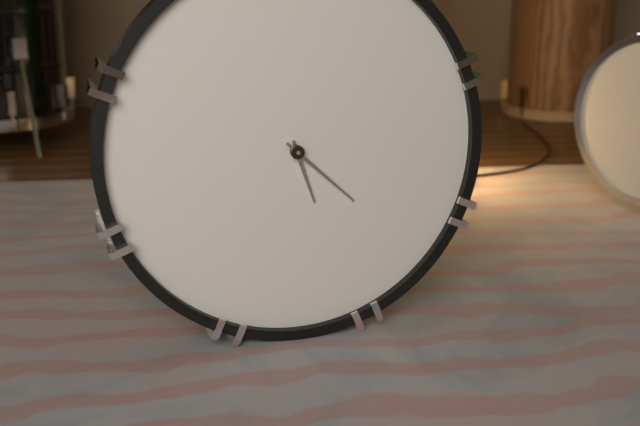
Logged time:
5h22
